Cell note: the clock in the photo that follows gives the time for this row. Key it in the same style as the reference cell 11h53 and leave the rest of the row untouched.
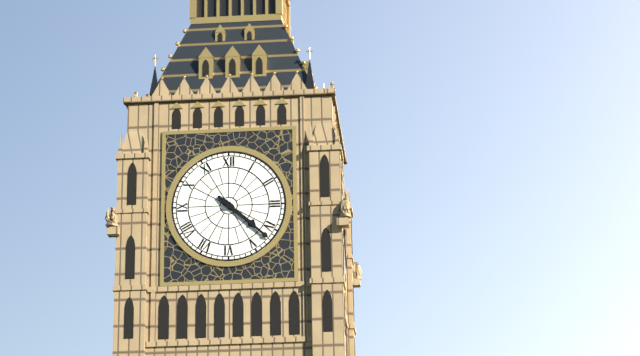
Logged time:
4h22
